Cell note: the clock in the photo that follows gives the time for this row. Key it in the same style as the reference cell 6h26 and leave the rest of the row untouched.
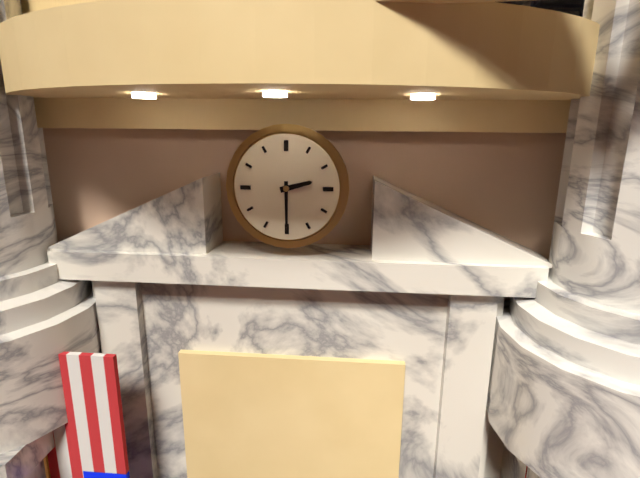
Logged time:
2h30
